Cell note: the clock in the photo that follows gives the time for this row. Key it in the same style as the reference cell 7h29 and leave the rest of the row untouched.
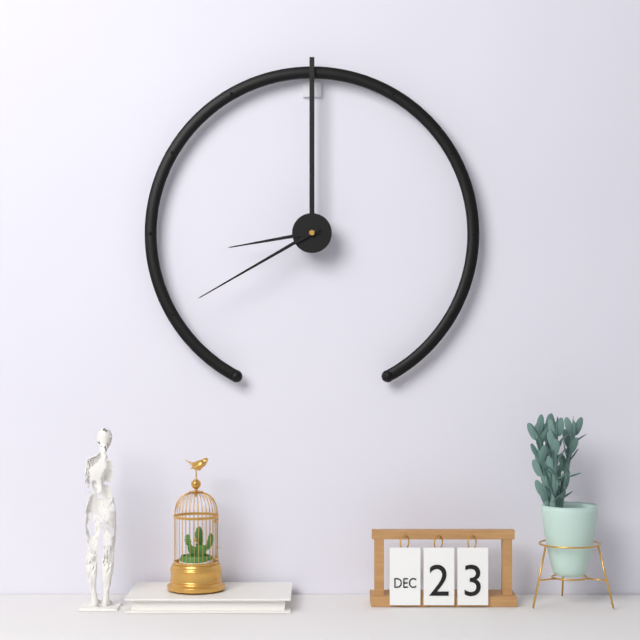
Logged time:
8h40
